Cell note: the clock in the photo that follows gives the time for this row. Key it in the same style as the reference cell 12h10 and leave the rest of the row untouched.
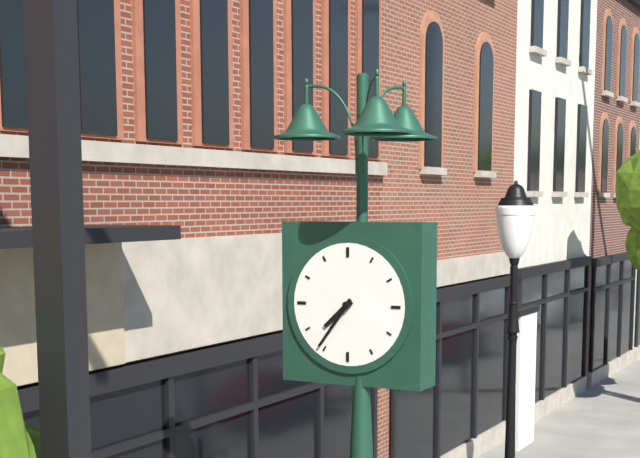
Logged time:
7h36
